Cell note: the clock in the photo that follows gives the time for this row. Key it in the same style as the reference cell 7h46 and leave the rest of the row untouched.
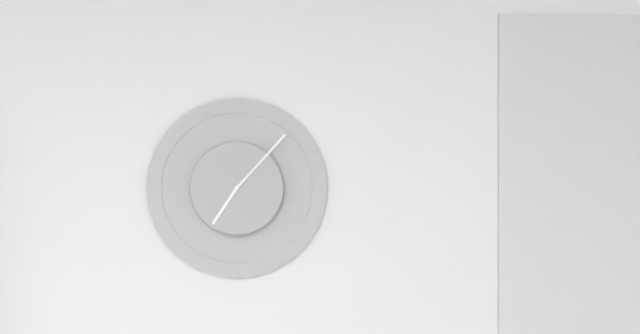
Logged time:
7h07
